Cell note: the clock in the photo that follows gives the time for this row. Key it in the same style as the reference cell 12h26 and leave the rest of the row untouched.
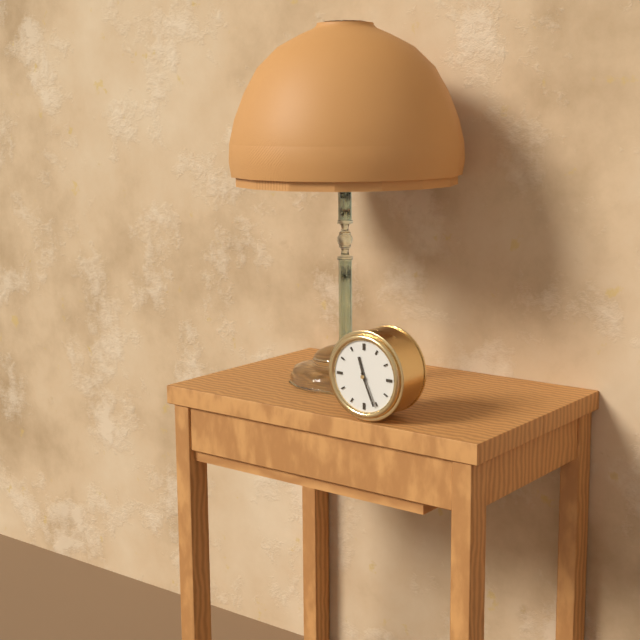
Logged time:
11h26
